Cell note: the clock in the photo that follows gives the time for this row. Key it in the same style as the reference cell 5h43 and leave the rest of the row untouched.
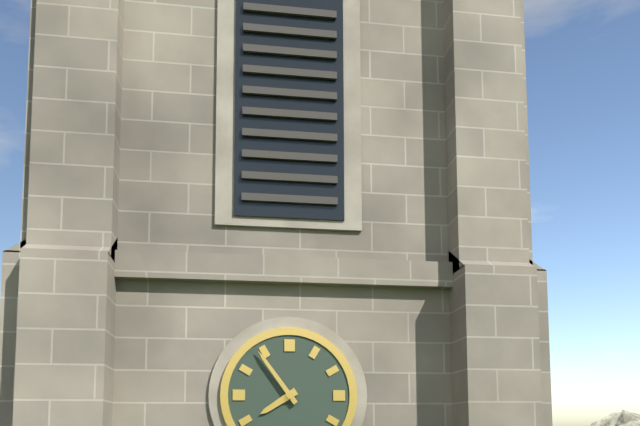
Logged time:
7h54
